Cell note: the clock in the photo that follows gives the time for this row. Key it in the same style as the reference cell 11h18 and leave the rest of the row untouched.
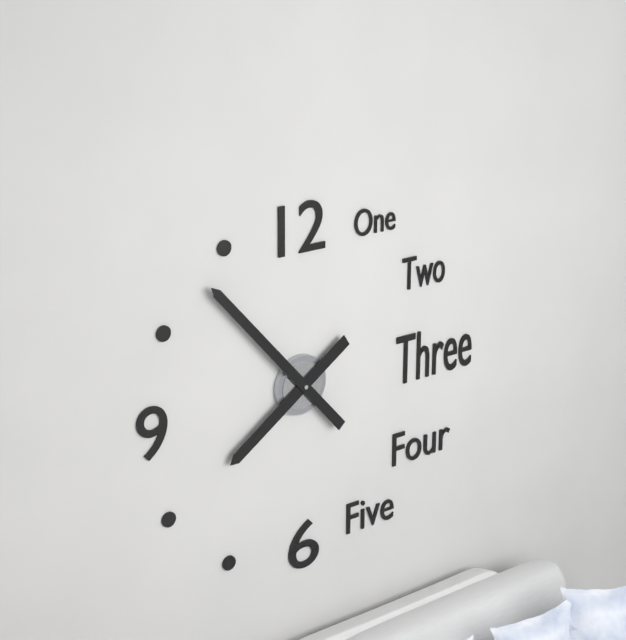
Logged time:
7h53
